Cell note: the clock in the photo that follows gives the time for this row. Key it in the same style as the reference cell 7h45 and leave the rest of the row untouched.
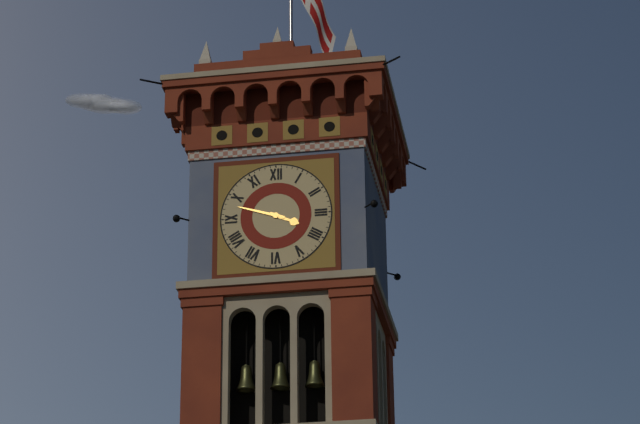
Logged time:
3h48
